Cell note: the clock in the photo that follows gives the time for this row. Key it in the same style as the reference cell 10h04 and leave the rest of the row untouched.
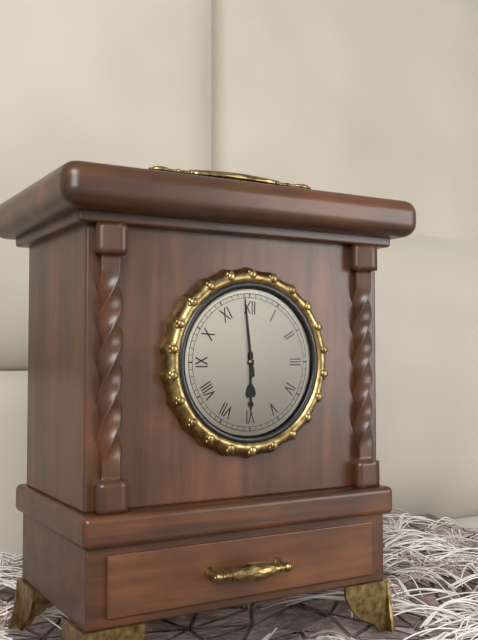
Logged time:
5h59
